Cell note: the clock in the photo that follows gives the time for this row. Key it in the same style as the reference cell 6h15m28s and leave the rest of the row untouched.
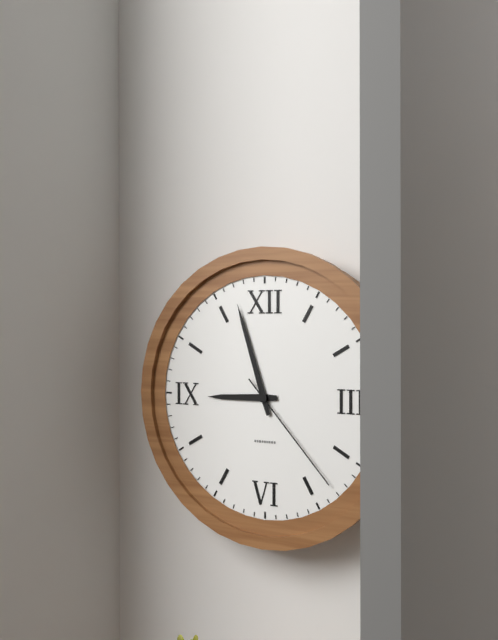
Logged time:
8h57m23s
